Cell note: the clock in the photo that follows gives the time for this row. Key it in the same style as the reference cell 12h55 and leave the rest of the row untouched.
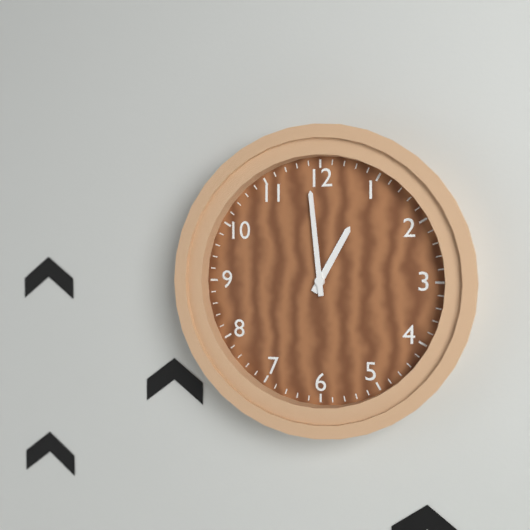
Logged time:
12h59
